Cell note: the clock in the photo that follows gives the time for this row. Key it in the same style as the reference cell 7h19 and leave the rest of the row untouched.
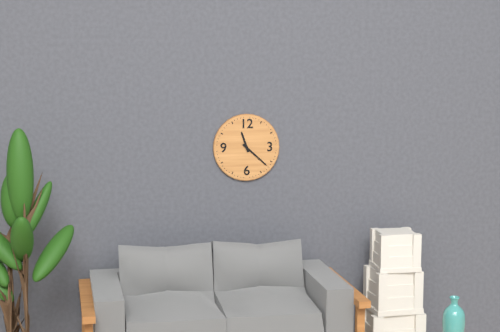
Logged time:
11h22
